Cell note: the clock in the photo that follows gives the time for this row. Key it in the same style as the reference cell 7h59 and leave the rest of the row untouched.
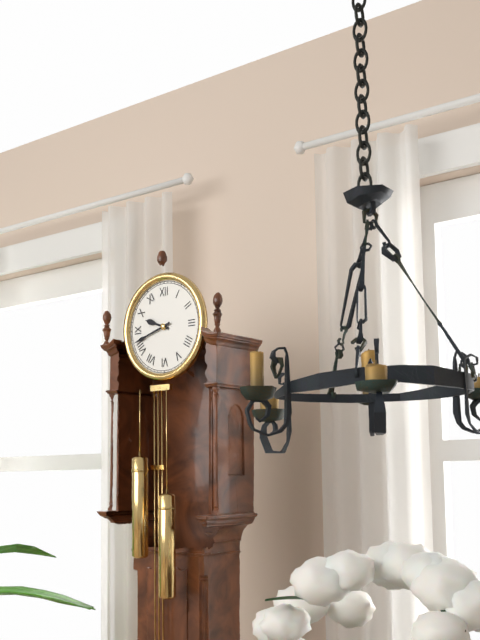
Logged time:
9h42
